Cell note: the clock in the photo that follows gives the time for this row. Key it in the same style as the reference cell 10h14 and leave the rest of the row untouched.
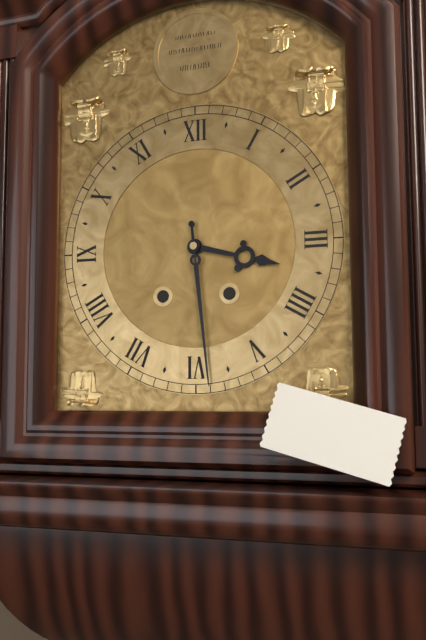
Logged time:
3h29
